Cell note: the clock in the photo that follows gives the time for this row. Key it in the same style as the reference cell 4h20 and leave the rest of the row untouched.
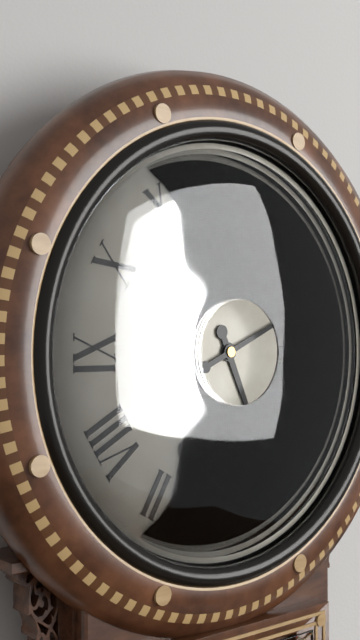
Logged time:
5h11
